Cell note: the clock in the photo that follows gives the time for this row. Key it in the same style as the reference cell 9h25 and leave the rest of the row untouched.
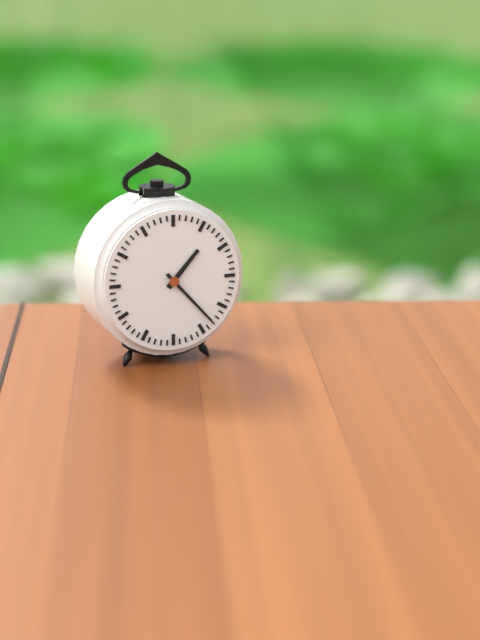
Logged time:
1h23
